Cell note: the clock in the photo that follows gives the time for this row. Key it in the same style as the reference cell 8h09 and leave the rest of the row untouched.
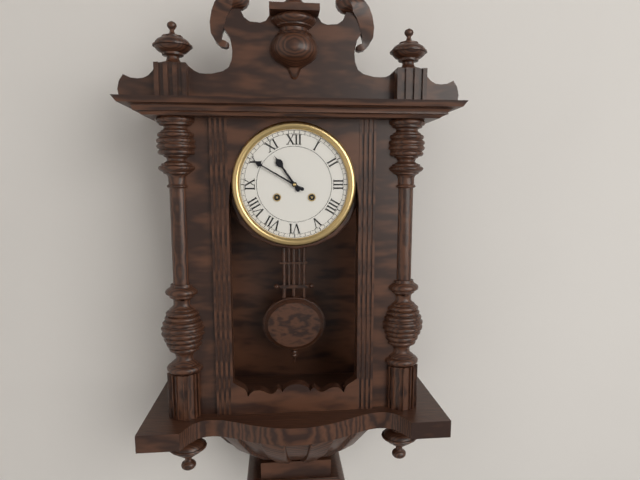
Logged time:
10h50
